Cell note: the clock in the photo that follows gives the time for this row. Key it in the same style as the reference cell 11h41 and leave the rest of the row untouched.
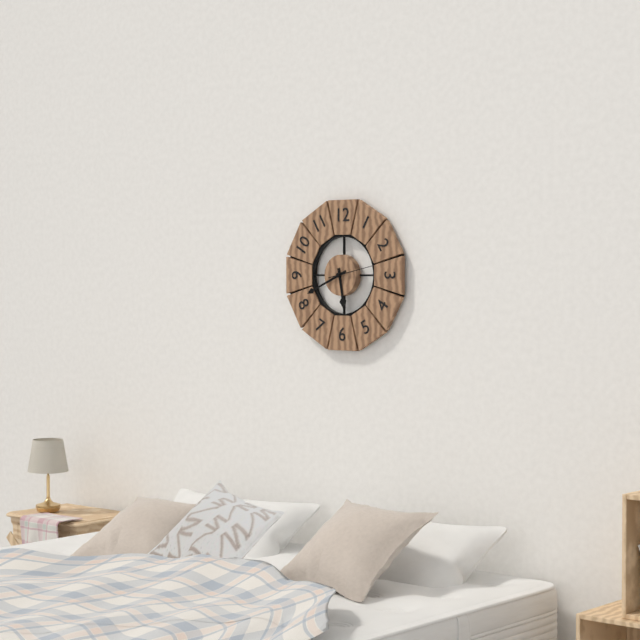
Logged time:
5h41
